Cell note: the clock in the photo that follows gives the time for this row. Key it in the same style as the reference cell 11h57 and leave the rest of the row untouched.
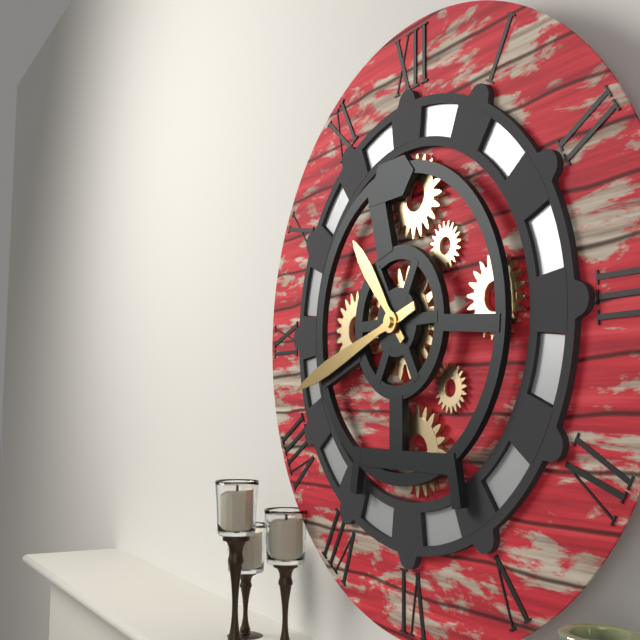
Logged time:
10h42
